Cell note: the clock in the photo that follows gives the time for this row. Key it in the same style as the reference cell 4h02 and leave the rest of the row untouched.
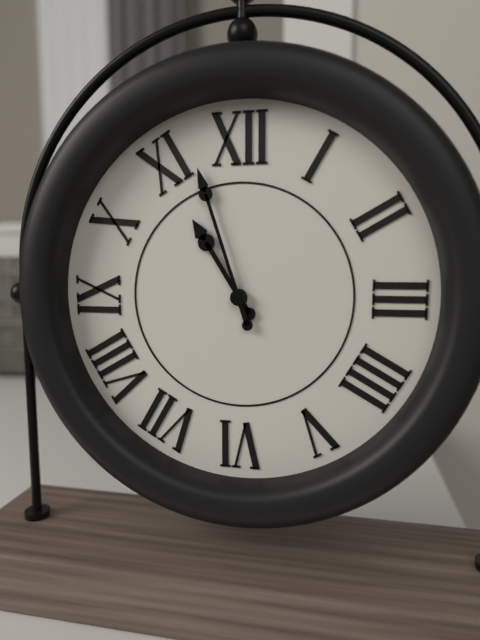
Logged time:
10h57
